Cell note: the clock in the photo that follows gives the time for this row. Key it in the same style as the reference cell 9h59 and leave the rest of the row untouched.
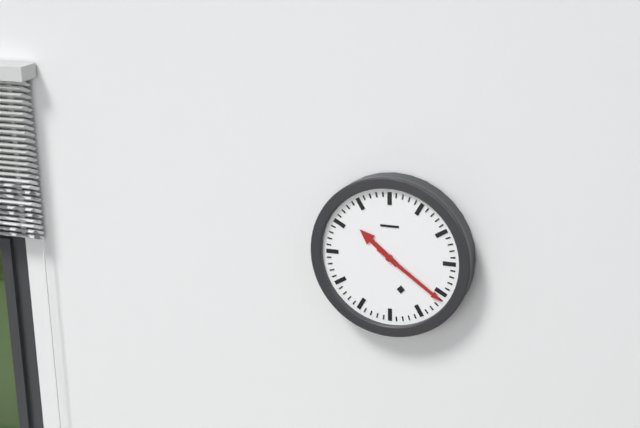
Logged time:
10h21
